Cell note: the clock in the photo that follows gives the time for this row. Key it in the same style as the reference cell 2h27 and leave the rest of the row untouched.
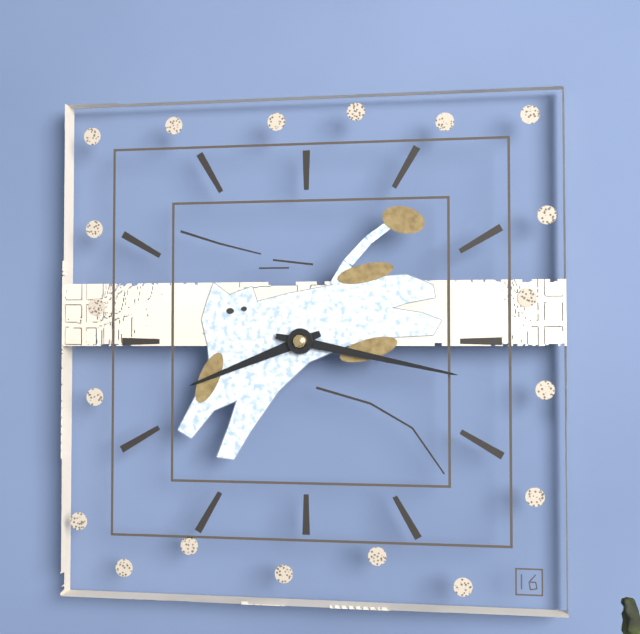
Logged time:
8h17
